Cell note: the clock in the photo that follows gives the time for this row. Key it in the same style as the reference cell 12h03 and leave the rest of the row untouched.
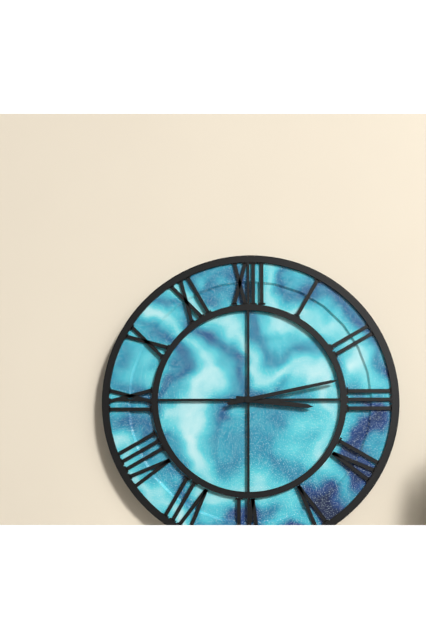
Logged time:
3h13
